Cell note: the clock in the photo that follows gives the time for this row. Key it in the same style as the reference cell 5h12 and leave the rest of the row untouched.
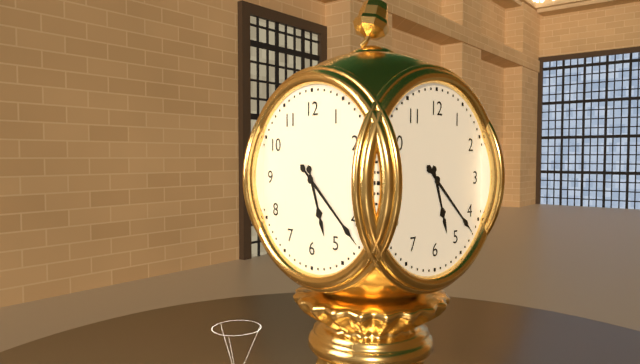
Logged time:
5h22
